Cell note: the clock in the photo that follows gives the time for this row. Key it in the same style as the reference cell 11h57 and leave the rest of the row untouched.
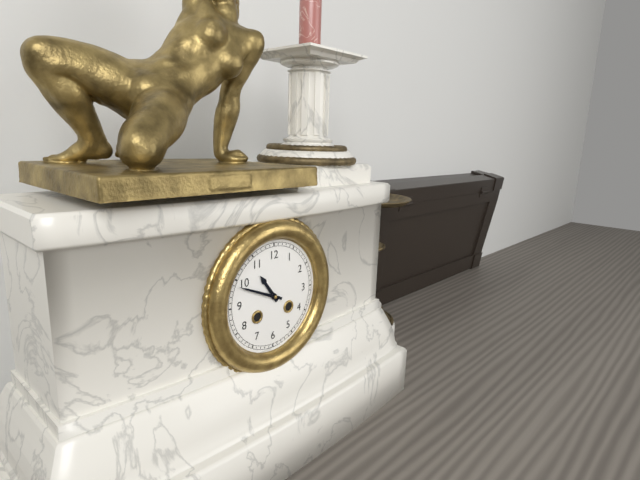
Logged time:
10h49
